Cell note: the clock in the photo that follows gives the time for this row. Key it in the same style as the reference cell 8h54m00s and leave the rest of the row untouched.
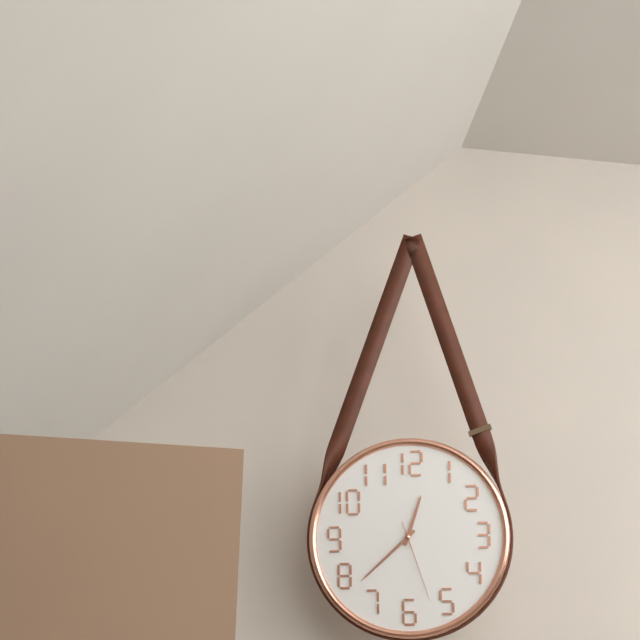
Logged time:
12h38m27s
